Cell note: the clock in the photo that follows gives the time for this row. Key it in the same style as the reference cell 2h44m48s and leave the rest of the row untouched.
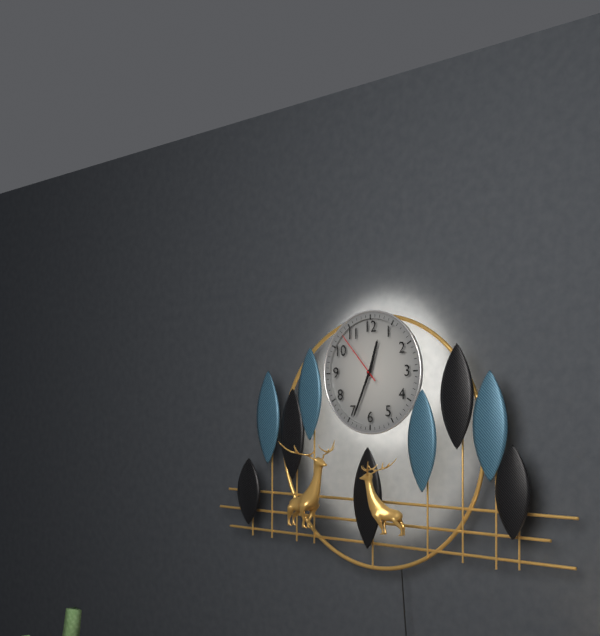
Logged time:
12h34m53s
